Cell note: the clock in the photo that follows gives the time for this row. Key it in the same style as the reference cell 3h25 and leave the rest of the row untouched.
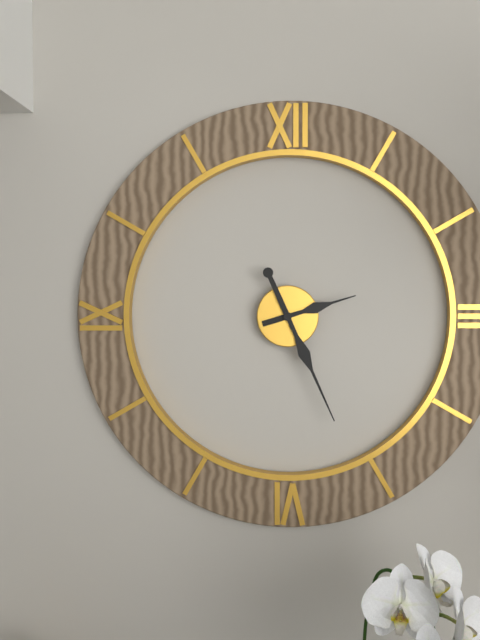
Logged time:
2h26
